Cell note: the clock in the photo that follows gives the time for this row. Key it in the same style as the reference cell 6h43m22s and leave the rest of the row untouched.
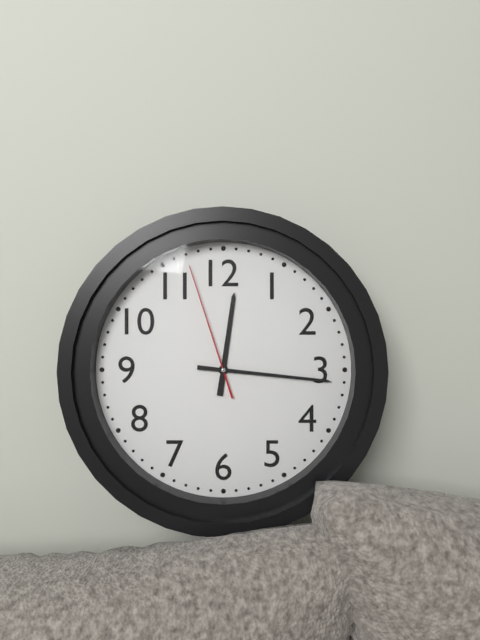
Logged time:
12h16m57s
